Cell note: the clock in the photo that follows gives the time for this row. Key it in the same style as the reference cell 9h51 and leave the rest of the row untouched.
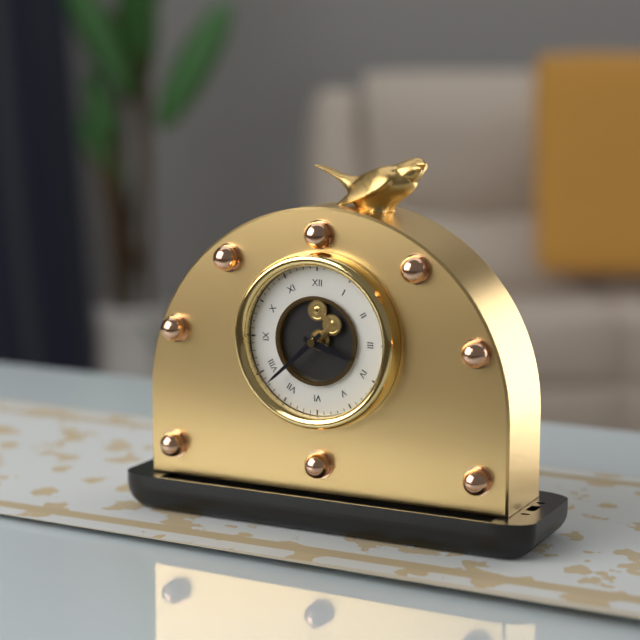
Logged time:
3h38
